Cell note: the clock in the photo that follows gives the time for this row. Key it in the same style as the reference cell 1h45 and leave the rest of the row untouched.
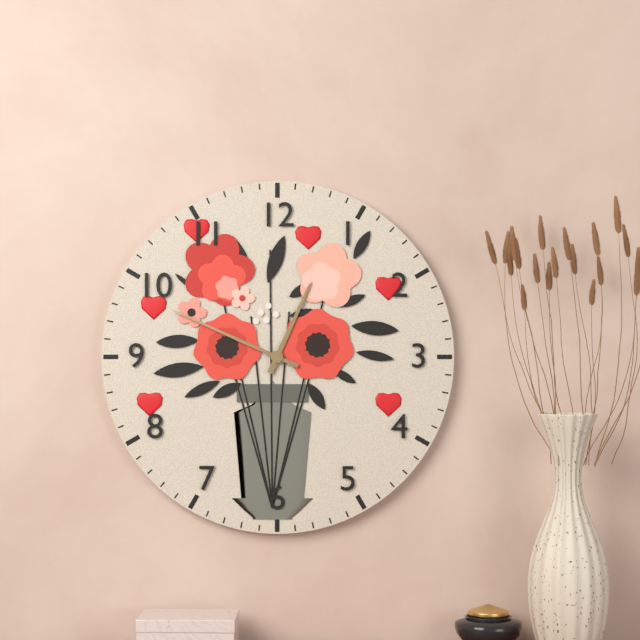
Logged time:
12h49
